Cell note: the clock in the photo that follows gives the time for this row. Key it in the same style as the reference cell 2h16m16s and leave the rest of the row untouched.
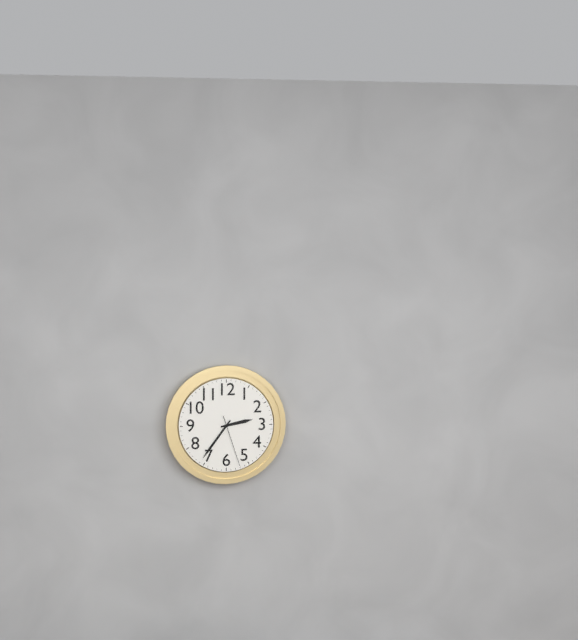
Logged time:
2h36m27s
